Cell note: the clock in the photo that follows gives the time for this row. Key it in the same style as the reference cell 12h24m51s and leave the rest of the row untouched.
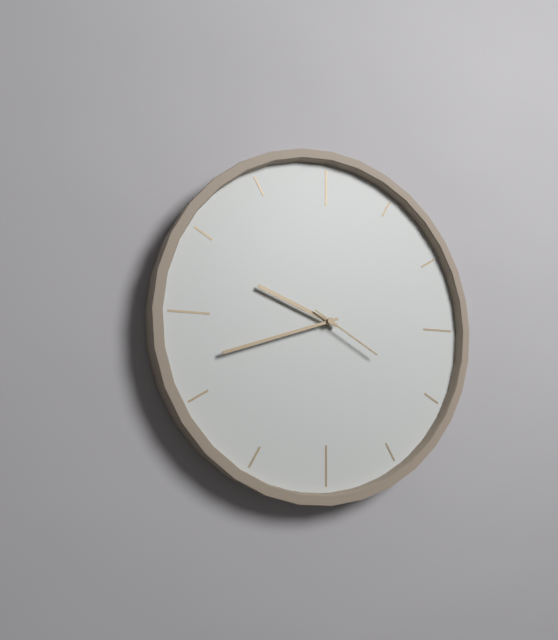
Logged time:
9h42m20s
